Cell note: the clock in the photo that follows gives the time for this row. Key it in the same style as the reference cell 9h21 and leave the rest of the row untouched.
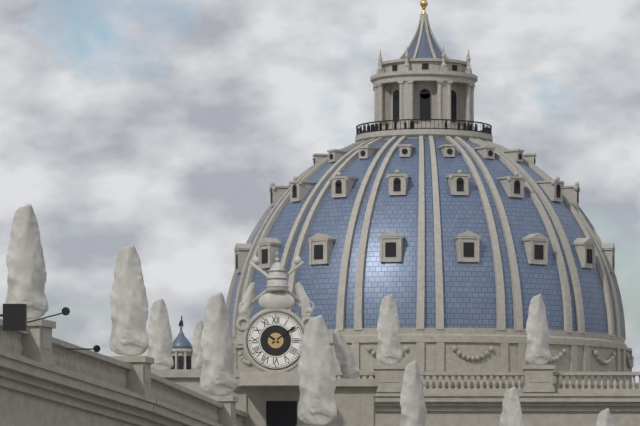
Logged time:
10h09
